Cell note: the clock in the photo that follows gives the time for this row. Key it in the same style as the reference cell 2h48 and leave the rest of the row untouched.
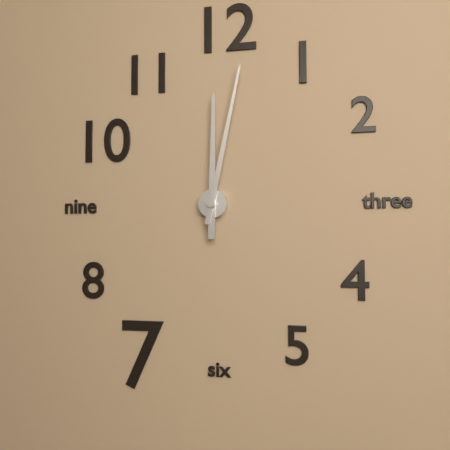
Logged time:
12h02
